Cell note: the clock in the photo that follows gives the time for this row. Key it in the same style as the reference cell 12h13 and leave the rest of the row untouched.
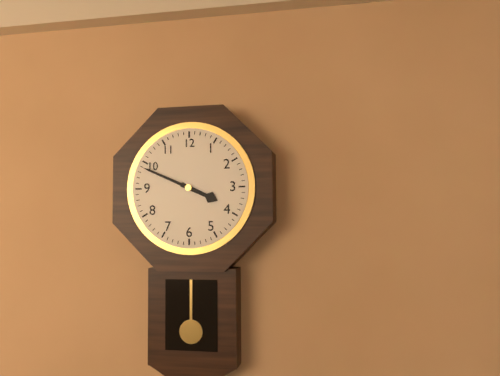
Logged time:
3h49
